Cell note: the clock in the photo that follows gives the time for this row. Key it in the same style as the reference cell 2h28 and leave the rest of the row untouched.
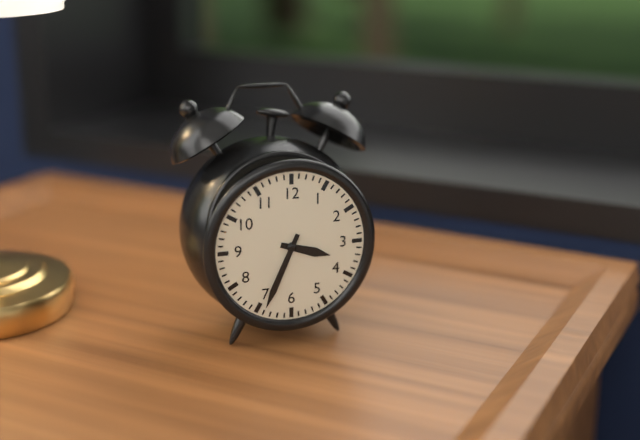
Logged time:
3h34
